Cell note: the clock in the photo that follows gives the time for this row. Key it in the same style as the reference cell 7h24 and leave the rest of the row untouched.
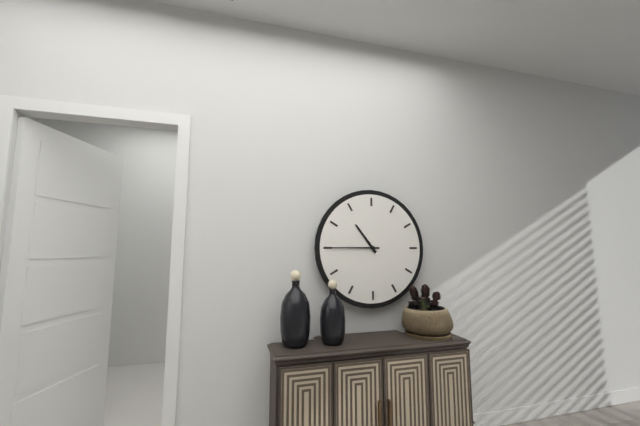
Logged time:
10h45
